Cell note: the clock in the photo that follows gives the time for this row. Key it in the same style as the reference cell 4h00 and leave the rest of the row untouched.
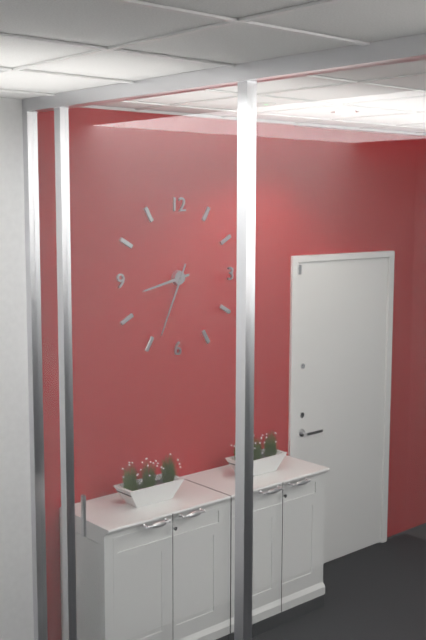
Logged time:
8h34
